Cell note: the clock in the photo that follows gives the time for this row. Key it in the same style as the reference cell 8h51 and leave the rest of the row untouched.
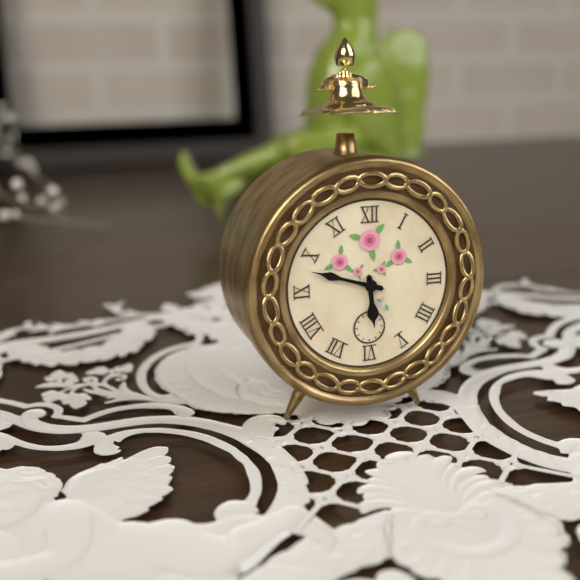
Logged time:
5h48
